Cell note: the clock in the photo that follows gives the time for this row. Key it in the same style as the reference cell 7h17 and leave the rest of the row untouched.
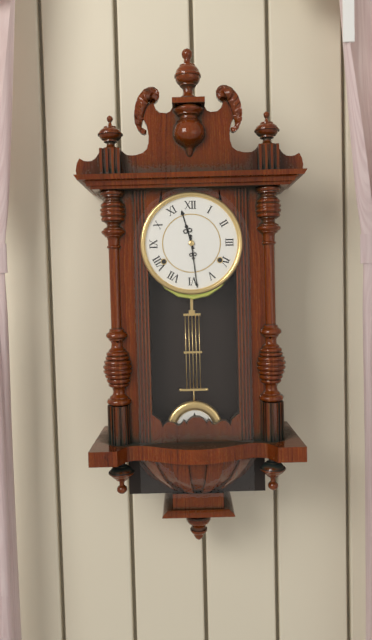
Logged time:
11h29
